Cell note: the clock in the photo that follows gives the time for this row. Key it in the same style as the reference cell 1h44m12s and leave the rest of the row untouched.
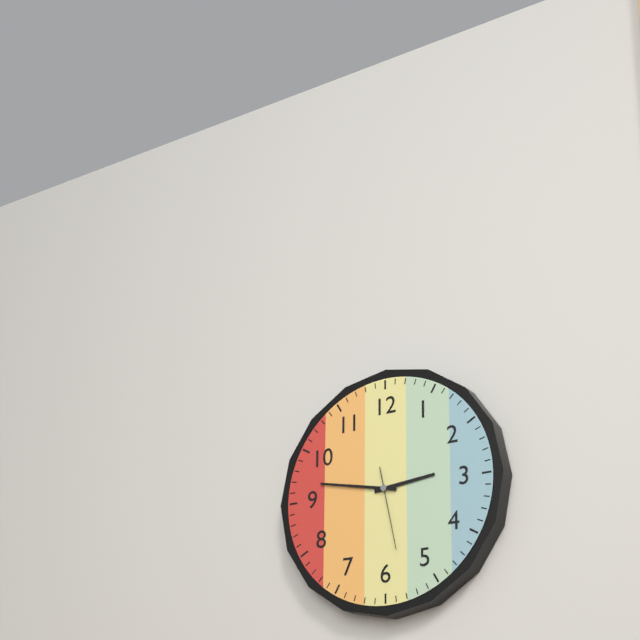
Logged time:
2h47m28s
